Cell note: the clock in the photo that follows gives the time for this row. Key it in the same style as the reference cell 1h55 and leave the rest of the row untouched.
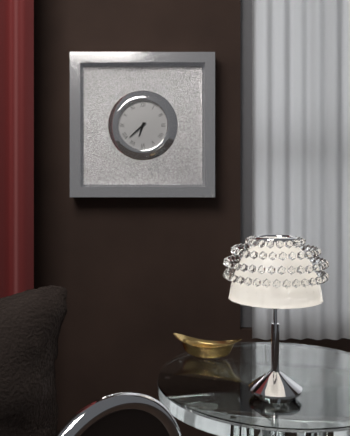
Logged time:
6h38
